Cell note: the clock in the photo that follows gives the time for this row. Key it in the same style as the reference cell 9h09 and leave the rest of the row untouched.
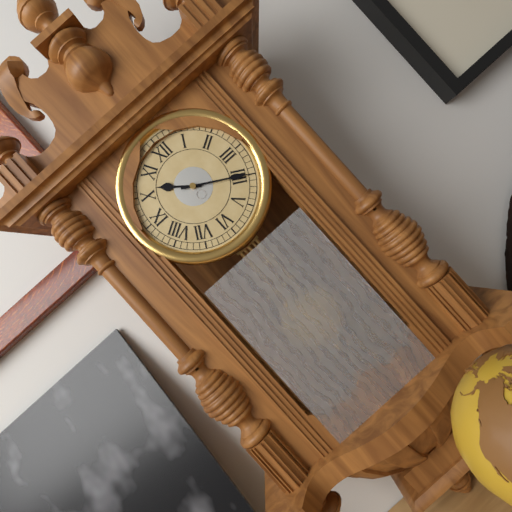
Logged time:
10h20
